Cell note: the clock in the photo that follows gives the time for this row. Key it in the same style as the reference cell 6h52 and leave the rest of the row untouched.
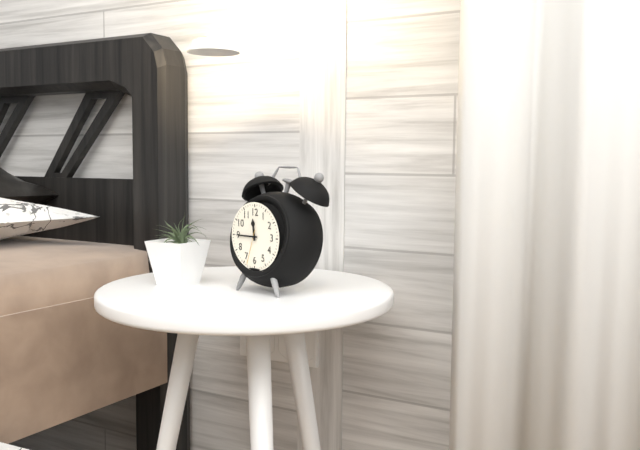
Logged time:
11h45
